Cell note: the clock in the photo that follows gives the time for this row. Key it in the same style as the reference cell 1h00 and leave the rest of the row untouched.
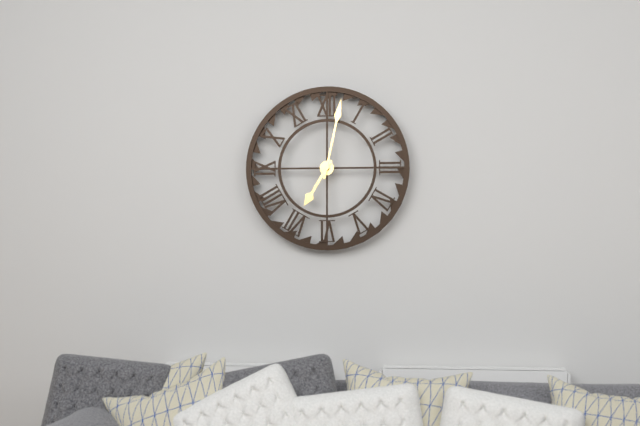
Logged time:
7h02
